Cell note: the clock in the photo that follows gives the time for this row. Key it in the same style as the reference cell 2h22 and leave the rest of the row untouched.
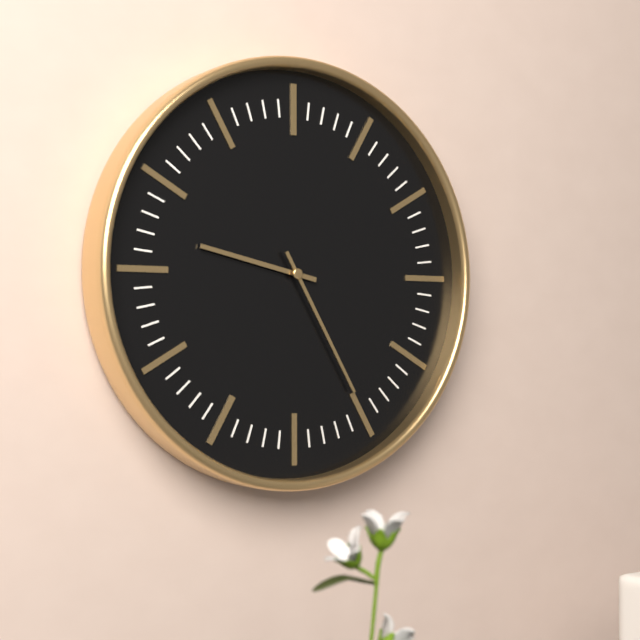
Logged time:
9h25
